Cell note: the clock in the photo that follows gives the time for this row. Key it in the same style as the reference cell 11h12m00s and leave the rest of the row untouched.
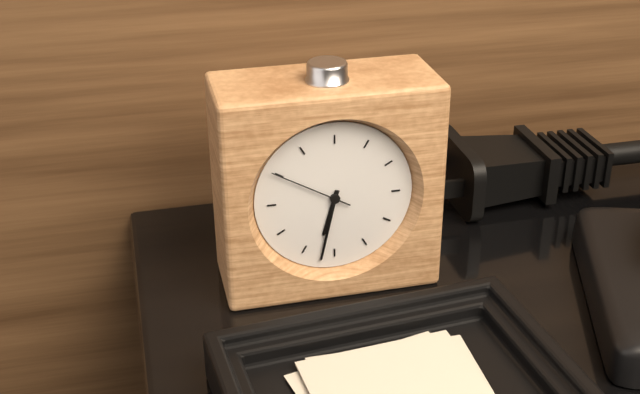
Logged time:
6h32m50s
